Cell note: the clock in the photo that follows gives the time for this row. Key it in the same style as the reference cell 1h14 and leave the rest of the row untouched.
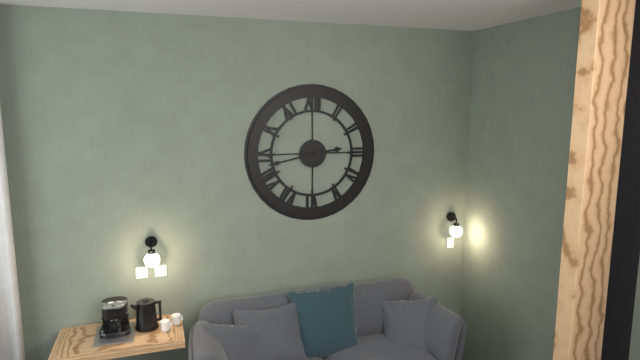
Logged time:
2h43
